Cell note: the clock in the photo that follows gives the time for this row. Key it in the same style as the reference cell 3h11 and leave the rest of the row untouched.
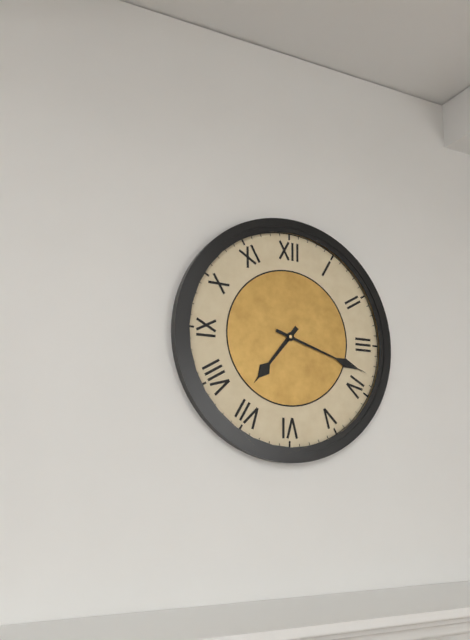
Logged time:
7h18
